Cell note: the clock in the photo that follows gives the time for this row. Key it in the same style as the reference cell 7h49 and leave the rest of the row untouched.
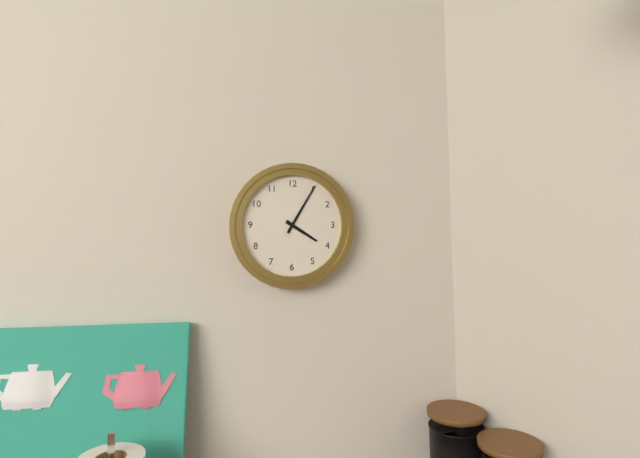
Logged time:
4h05
